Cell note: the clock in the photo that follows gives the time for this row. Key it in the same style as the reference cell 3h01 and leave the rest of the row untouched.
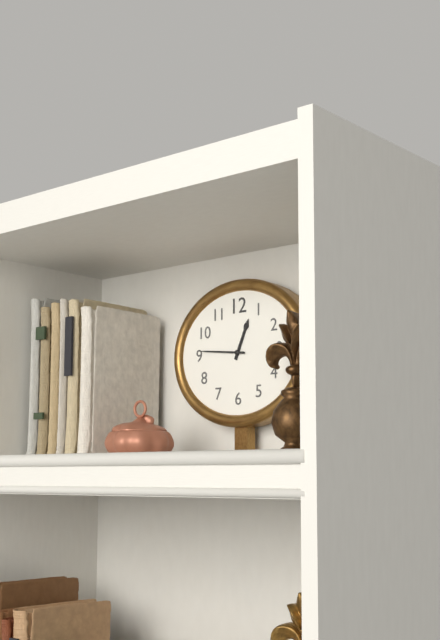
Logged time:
12h46
